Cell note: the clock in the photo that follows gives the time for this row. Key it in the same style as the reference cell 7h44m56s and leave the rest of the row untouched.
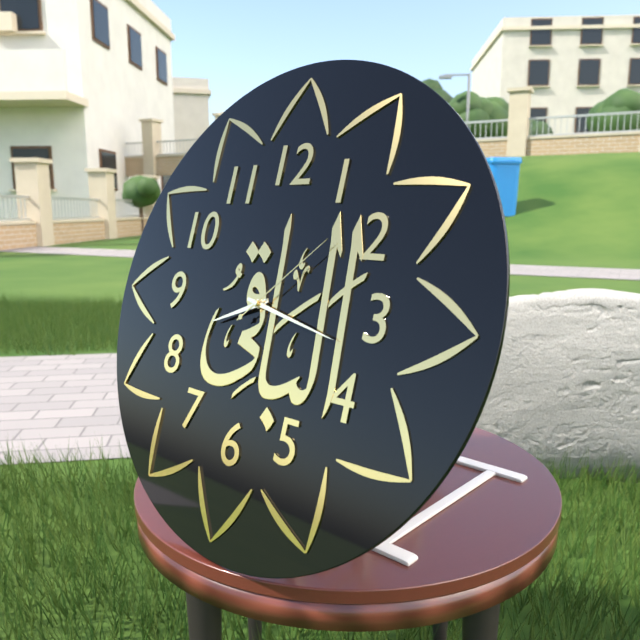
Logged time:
8h17m08s
